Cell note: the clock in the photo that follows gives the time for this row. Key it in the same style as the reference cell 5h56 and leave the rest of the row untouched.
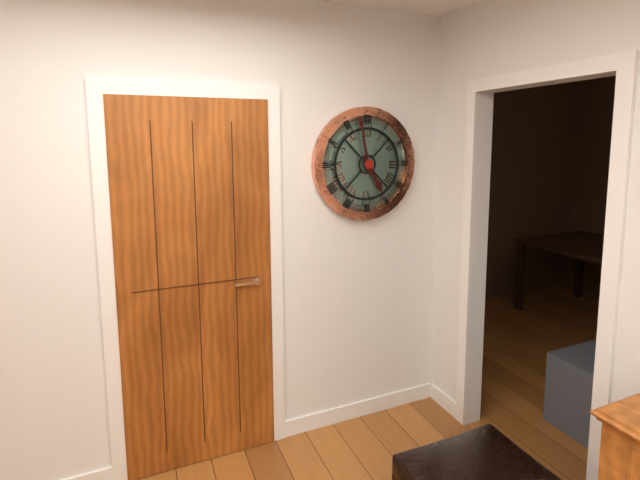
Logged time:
4h58
